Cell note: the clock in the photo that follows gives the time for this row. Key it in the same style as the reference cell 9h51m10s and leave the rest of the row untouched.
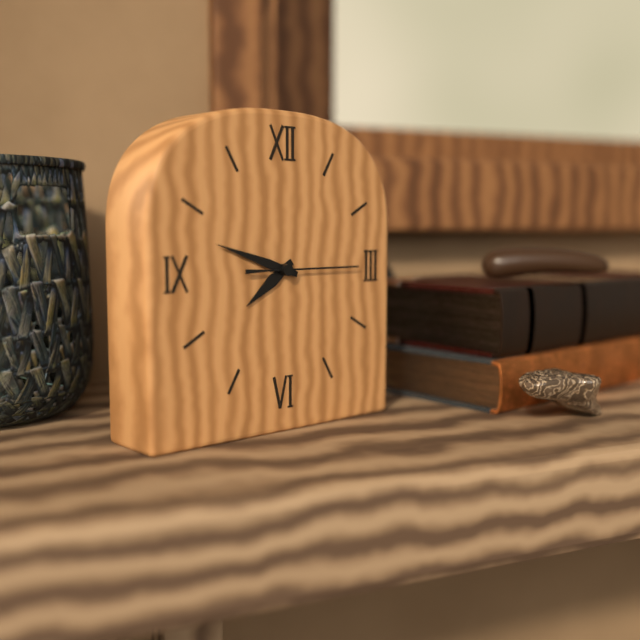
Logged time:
7h48m15s
